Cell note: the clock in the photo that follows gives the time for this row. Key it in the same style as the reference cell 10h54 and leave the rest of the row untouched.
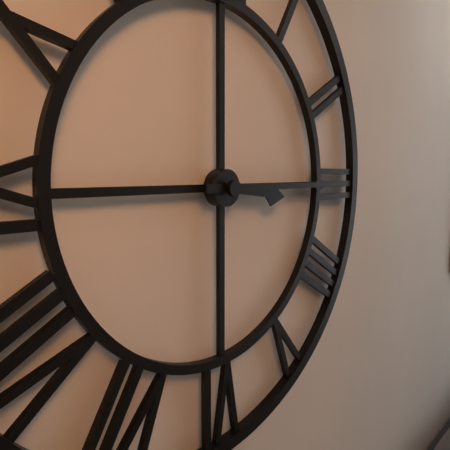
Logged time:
3h15
